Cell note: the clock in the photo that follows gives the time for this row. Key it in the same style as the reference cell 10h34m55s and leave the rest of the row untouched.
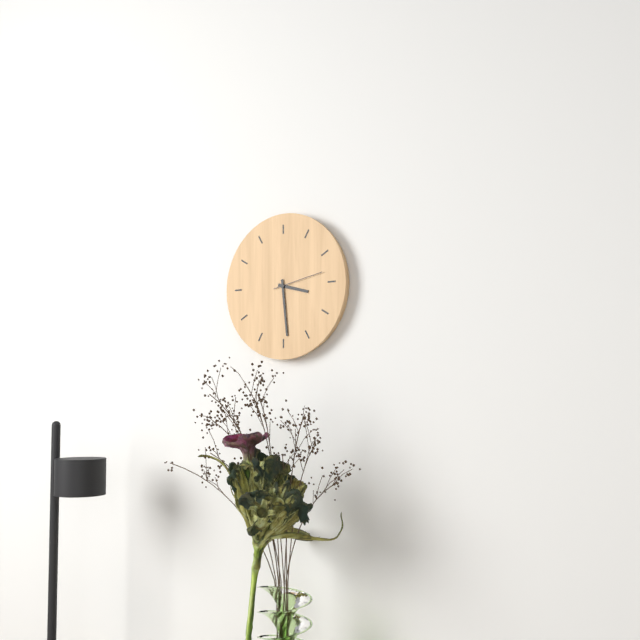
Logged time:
3h29m13s
